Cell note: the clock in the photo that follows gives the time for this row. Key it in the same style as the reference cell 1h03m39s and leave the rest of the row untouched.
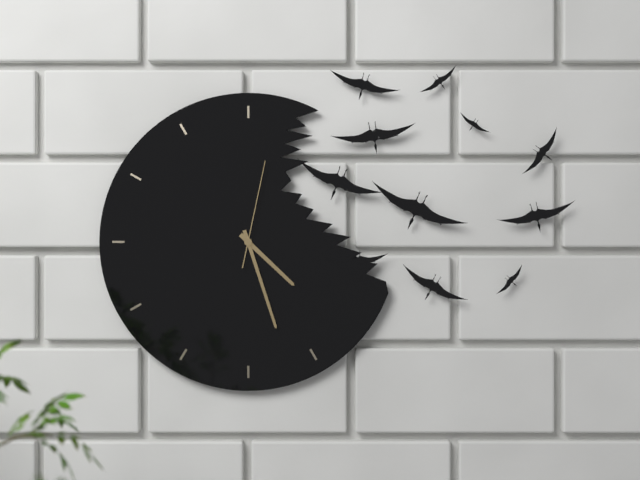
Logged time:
4h27m02s
